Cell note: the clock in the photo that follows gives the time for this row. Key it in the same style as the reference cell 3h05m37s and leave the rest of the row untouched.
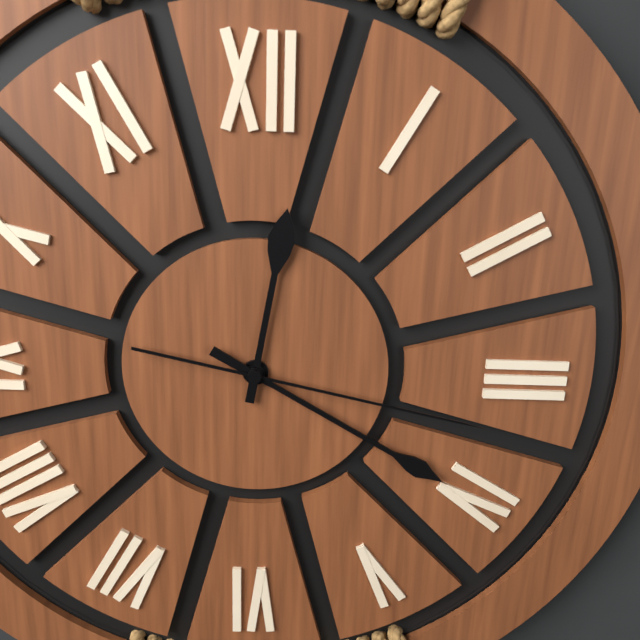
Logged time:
12h20m17s
